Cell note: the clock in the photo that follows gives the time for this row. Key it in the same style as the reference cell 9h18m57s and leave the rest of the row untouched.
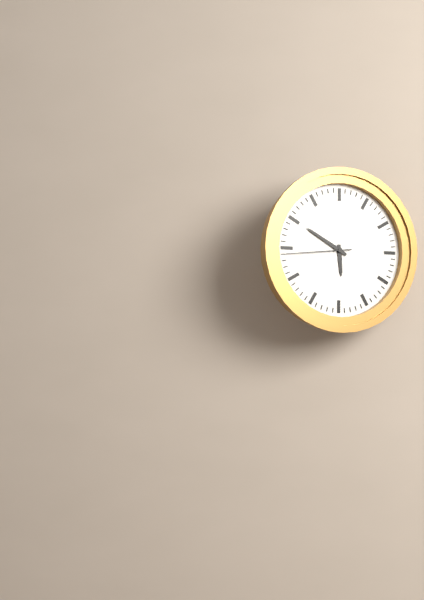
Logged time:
5h50m44s
